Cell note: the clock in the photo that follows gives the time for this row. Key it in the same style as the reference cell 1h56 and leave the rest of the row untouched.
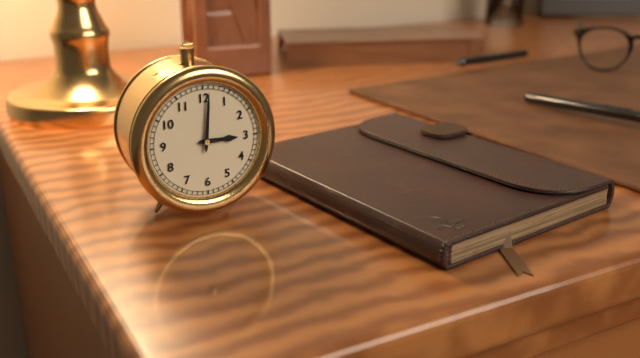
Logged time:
3h01
